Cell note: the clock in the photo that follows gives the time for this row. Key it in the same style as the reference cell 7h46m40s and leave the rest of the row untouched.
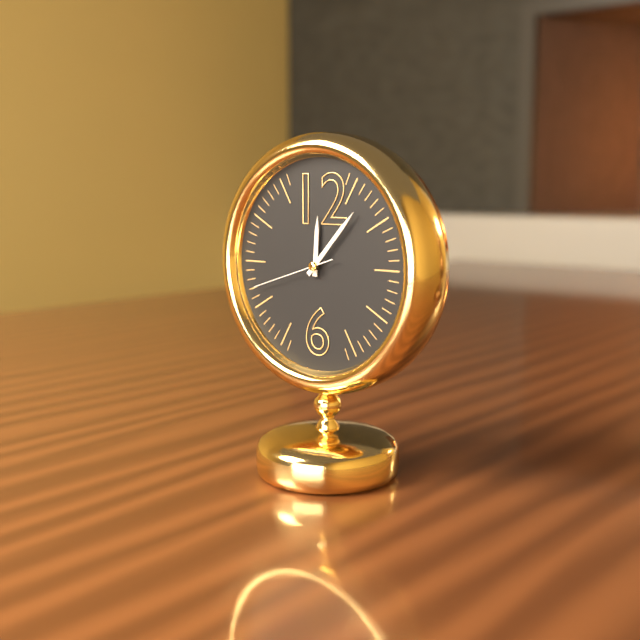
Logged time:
12h07m42s
